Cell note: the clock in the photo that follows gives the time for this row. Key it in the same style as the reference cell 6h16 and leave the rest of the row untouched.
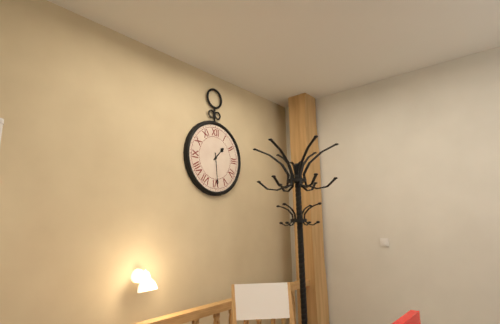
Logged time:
1h29
